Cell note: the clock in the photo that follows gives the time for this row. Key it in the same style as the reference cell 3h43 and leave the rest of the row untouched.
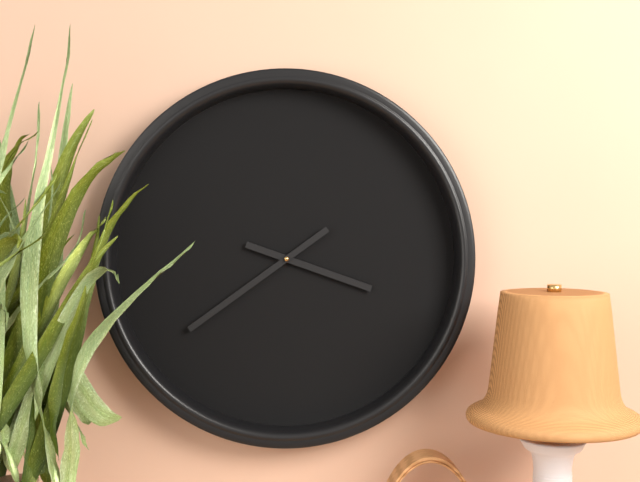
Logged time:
3h39
